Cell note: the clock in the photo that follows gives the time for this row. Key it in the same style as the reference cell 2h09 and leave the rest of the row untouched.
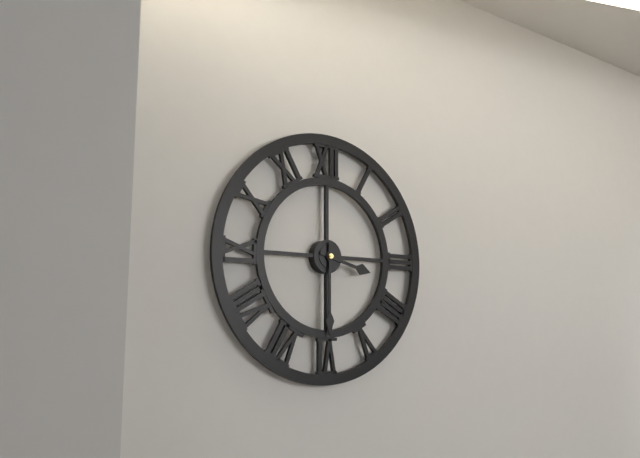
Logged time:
3h30
